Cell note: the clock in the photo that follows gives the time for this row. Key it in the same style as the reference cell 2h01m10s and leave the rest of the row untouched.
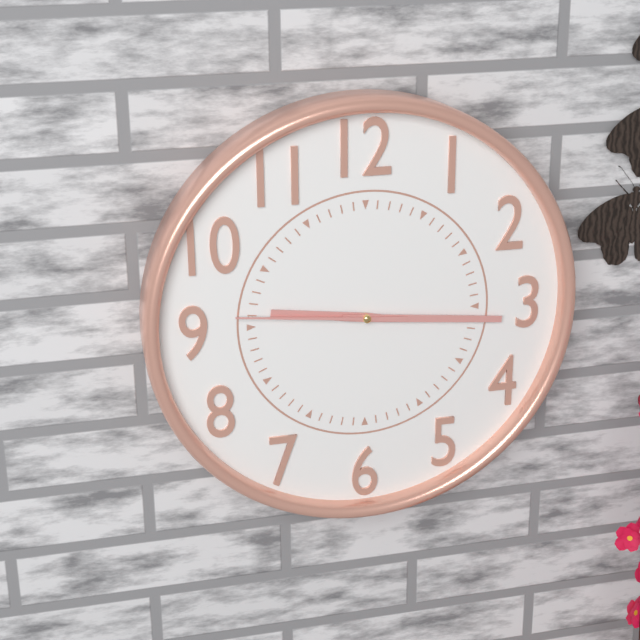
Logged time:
9h16m46s
